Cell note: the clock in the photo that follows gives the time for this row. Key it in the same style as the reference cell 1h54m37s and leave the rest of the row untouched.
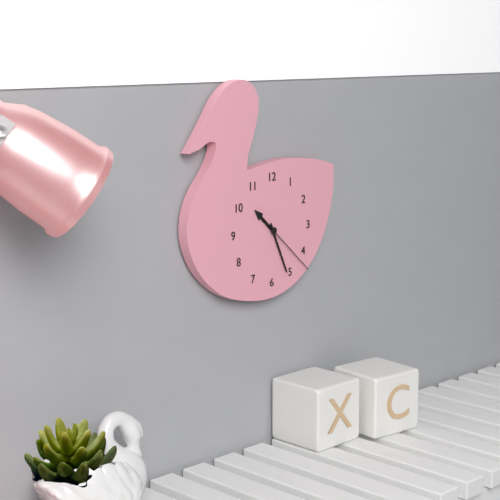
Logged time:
10h26m22s
